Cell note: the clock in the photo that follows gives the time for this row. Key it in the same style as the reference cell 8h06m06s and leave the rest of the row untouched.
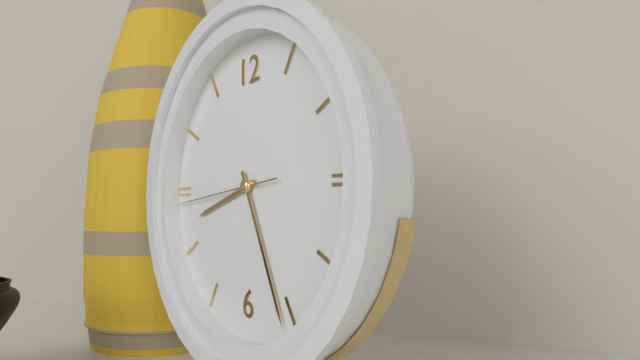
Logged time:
8h26m44s
